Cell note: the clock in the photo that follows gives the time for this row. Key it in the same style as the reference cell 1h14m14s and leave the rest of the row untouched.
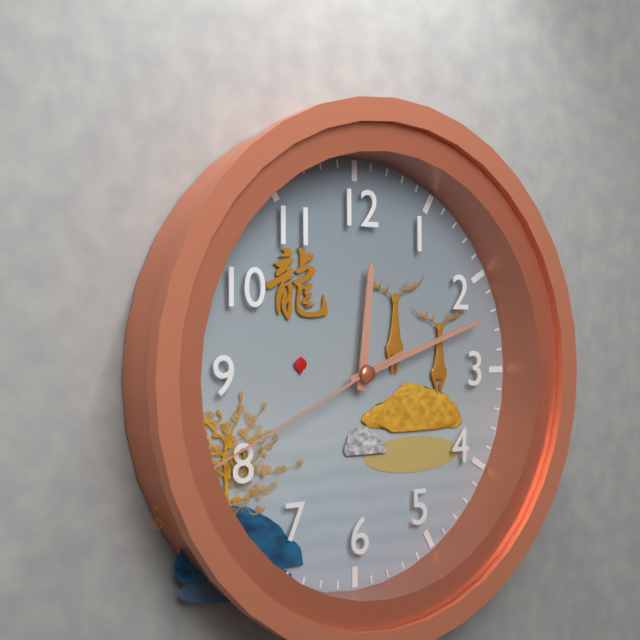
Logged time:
12h12m41s
